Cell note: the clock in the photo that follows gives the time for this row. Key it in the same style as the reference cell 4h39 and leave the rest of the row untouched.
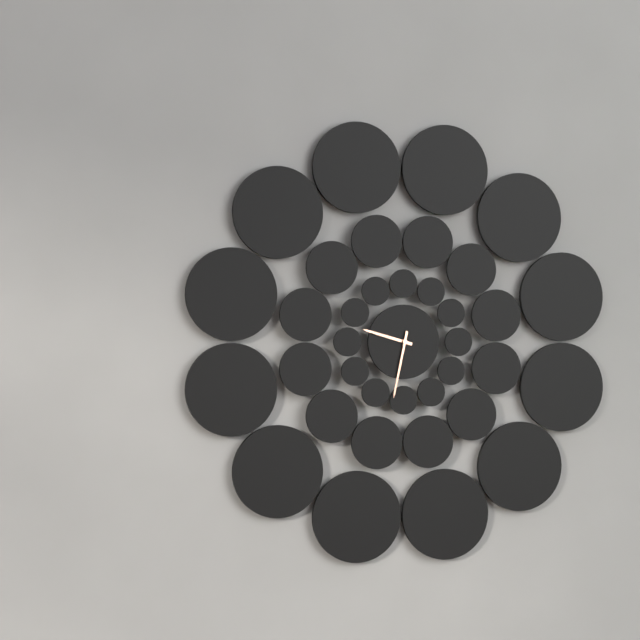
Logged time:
9h32
